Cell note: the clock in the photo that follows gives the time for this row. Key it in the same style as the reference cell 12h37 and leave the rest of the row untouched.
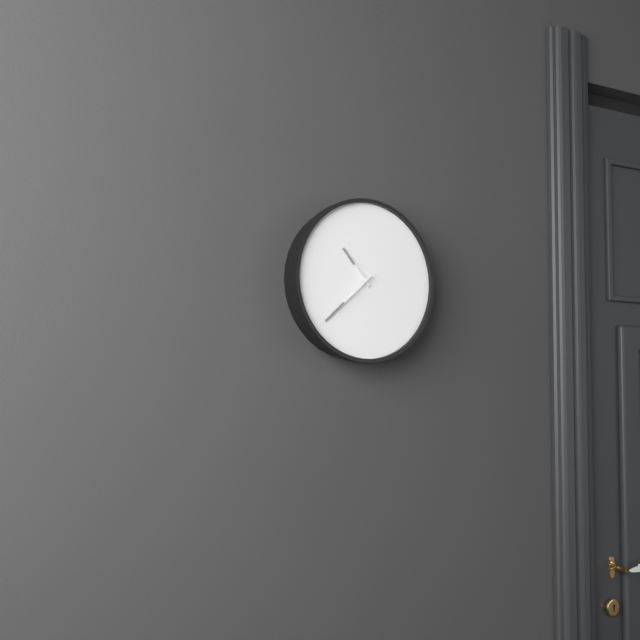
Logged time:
10h38
